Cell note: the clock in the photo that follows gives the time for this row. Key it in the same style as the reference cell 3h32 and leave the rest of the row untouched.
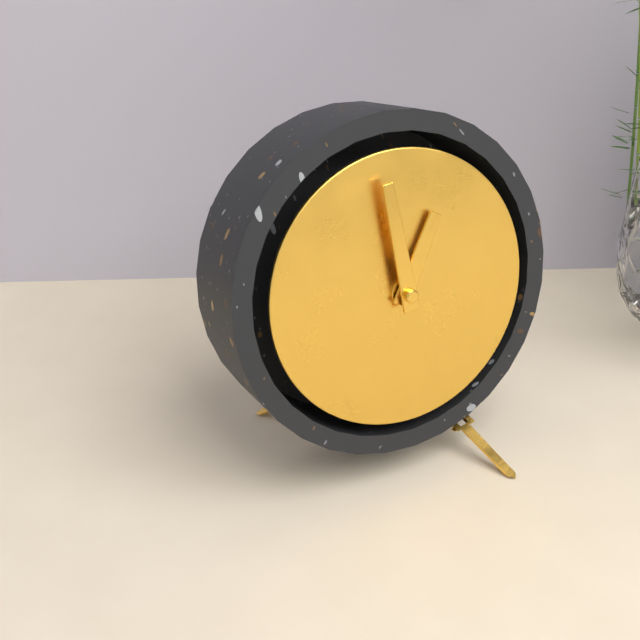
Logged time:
12h59
